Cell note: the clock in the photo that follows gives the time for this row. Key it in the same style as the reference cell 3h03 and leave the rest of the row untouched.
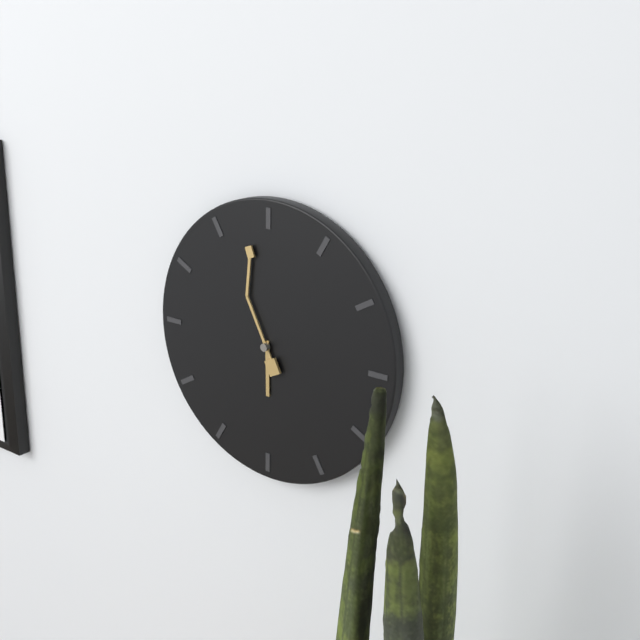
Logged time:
5h58
